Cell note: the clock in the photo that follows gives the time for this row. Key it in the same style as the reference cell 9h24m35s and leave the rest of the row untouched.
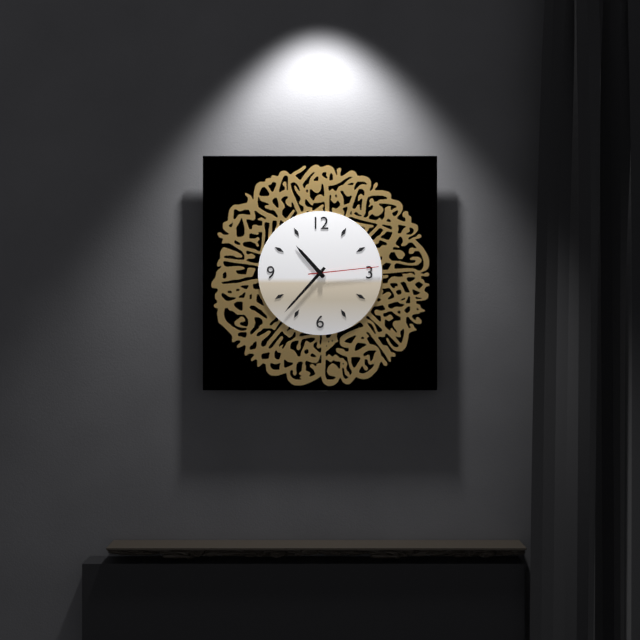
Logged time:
10h37m14s
